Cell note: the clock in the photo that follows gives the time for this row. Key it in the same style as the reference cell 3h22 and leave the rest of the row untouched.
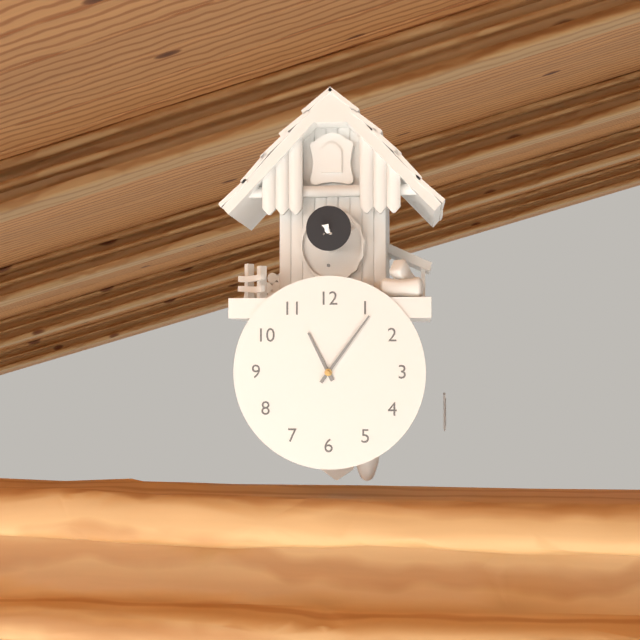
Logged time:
11h06
